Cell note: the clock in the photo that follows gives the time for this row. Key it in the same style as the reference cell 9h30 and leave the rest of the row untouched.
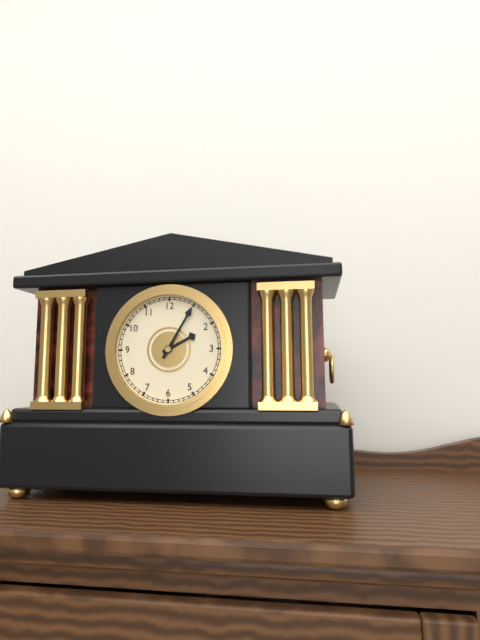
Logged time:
2h05
